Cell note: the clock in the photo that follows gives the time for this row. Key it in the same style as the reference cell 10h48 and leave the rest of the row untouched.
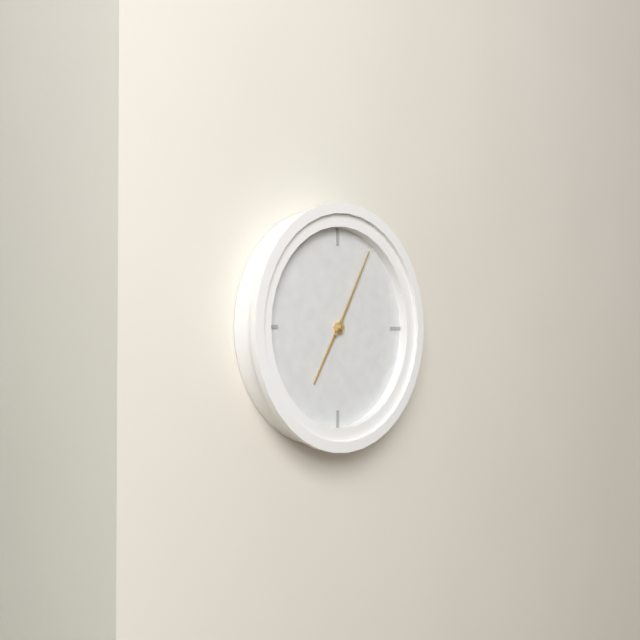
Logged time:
7h05
